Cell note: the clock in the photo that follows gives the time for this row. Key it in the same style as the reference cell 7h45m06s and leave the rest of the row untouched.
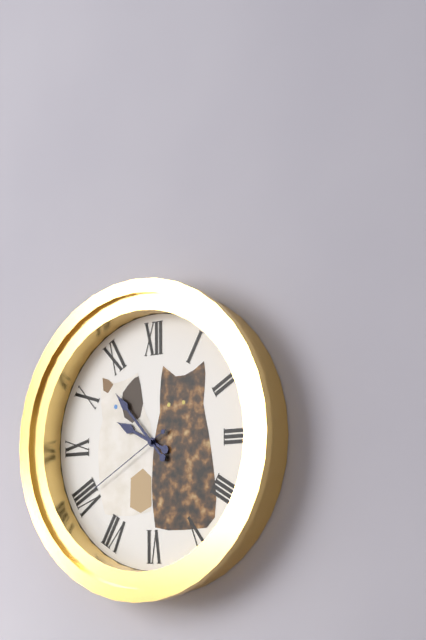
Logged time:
9h53m40s
